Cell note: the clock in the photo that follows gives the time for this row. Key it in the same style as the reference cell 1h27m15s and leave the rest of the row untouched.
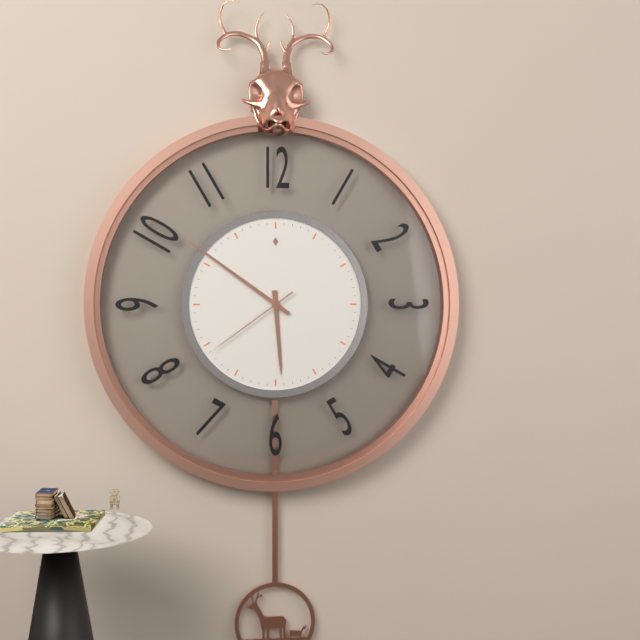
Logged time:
5h51m39s
